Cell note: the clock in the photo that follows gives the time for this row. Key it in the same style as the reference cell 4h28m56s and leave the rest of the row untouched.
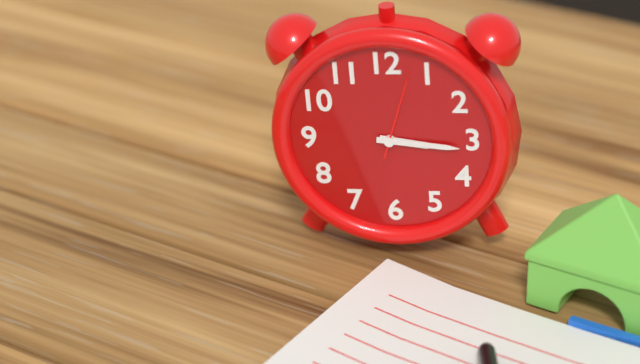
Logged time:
3h16m03s
